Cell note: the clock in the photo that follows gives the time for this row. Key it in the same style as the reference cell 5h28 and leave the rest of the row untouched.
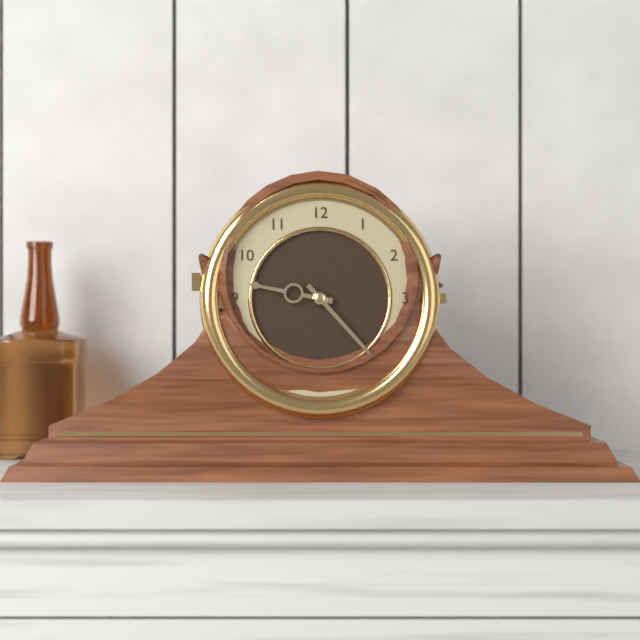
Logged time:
9h23
